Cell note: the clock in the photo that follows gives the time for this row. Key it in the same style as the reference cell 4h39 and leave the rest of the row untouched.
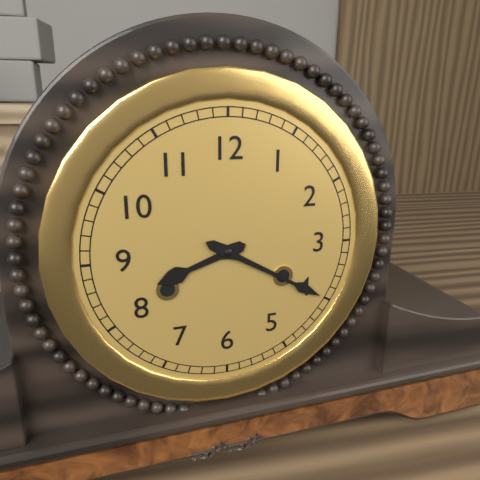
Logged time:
8h20
